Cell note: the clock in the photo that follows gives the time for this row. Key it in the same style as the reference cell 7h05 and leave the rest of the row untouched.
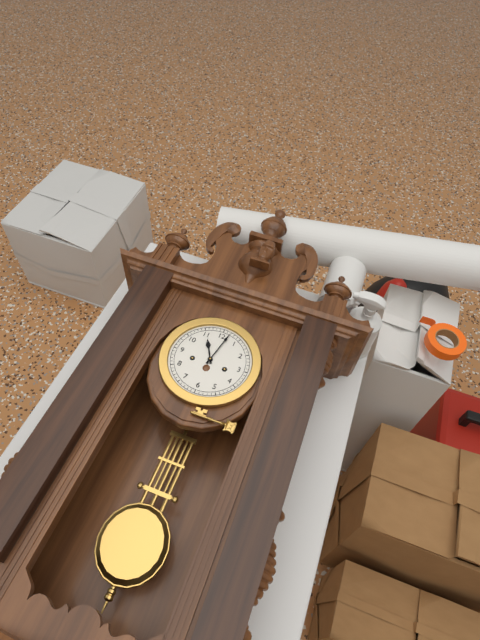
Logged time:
11h02
